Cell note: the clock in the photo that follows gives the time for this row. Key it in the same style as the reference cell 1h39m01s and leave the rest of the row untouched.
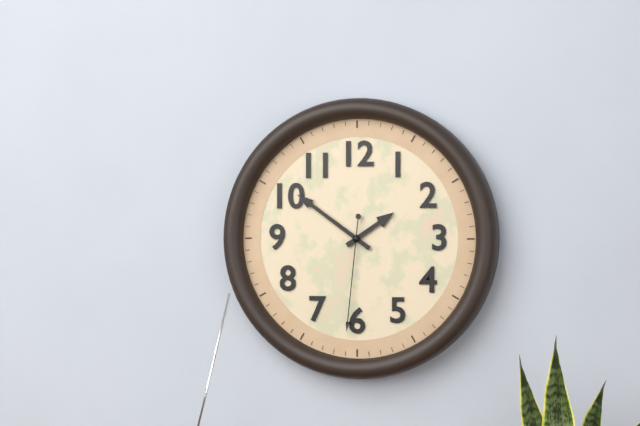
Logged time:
1h51m31s
